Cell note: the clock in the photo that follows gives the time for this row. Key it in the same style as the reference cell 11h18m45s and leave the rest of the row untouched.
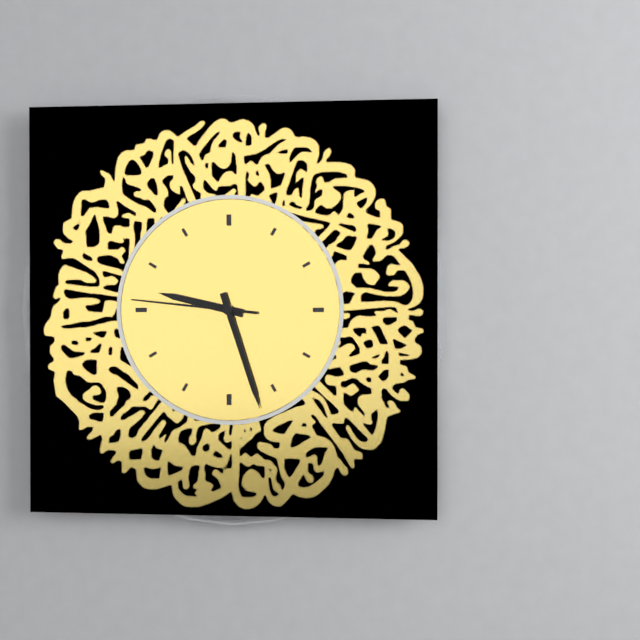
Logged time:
9h27m46s
